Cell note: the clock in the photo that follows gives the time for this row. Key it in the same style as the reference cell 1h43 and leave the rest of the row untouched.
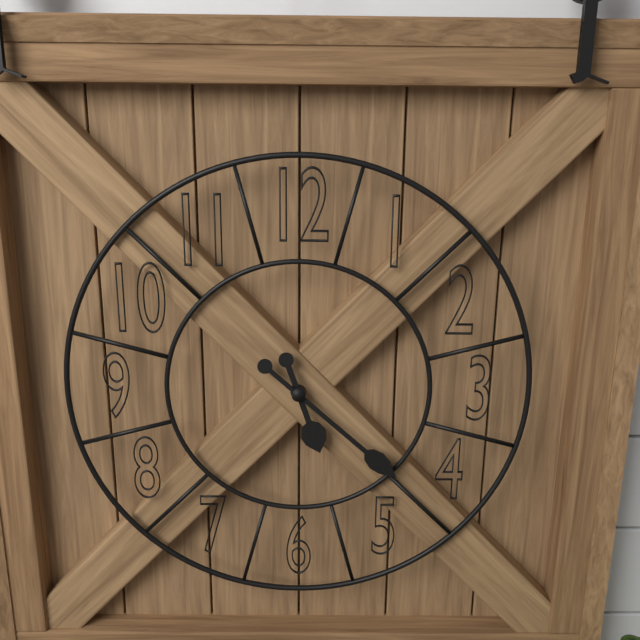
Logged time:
5h22
